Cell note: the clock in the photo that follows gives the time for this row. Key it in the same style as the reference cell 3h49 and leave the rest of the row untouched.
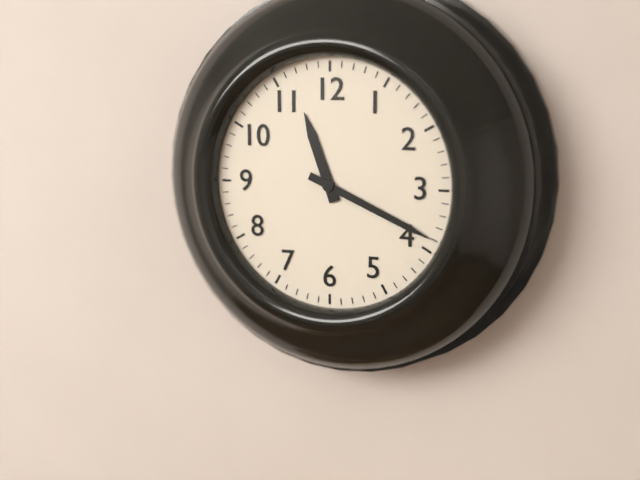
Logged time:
11h19
